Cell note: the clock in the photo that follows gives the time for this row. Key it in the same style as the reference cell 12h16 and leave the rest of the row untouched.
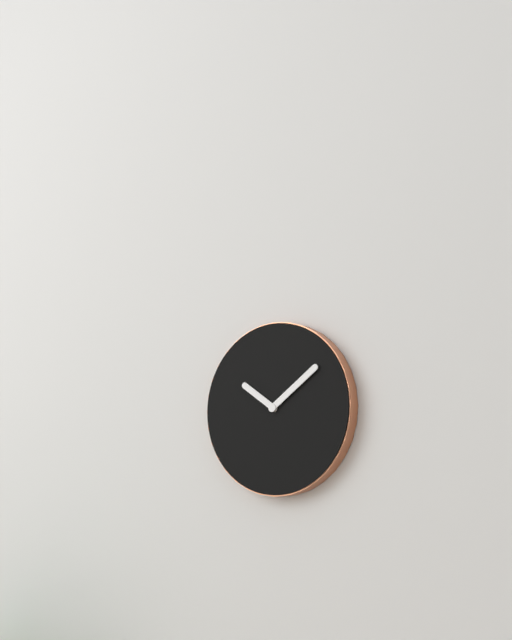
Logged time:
10h09
